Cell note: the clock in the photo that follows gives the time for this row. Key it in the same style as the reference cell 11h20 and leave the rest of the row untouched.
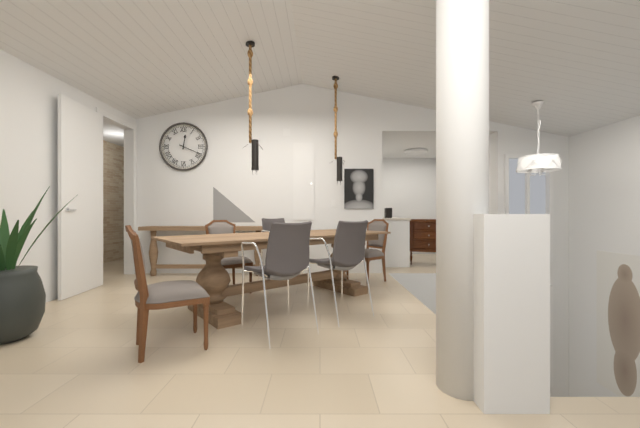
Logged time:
12h19
